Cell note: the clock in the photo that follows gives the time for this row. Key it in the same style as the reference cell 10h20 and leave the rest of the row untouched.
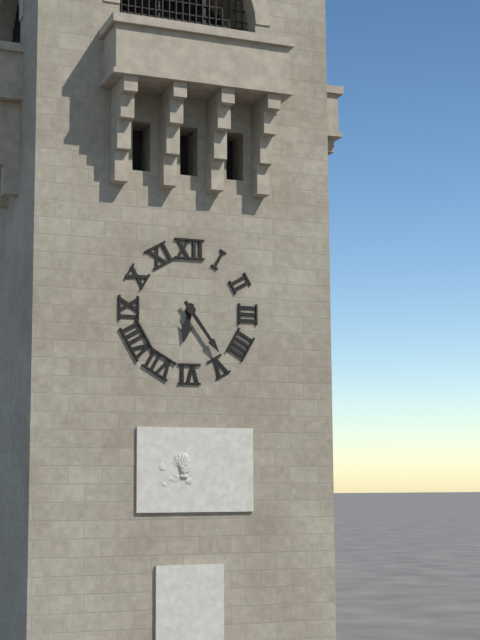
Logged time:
6h24
